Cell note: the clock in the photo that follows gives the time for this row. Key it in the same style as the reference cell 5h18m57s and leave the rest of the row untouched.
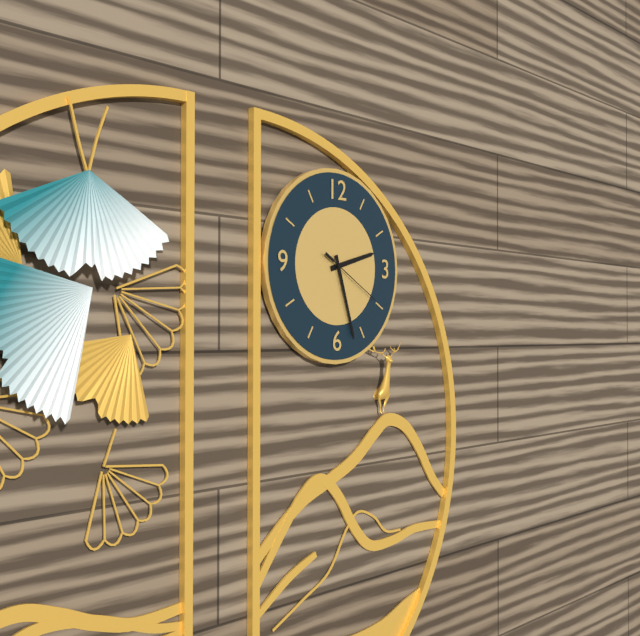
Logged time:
2h27m20s
